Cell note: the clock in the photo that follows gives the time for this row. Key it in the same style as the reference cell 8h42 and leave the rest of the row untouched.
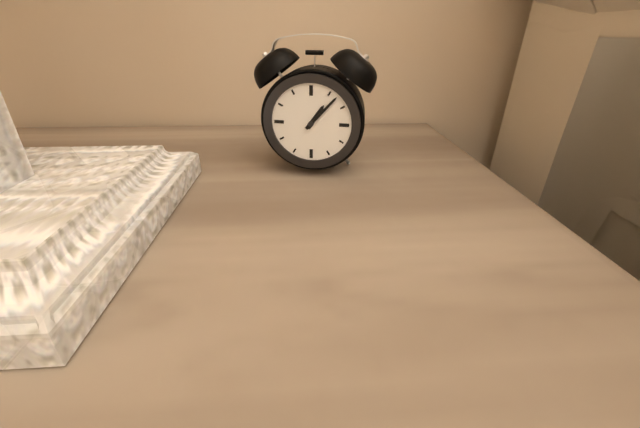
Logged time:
1h07
